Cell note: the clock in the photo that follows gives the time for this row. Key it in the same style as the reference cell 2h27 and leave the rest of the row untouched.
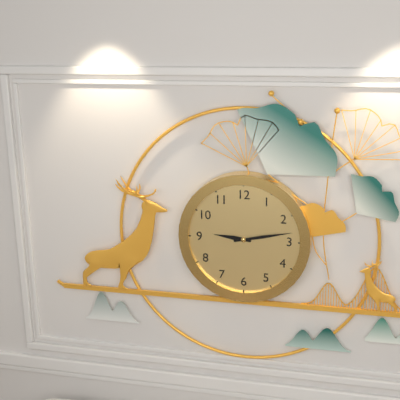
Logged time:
9h13
